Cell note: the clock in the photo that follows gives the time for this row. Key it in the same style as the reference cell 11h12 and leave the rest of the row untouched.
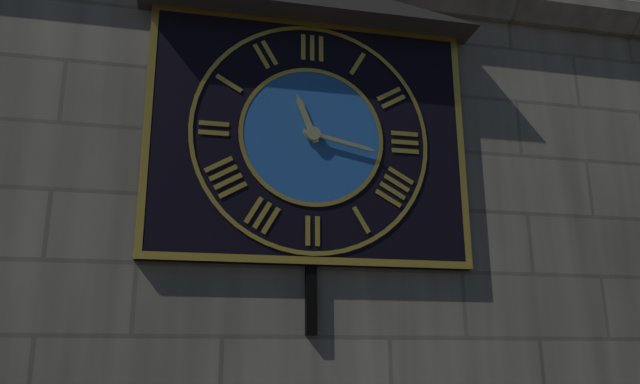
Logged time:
11h17
